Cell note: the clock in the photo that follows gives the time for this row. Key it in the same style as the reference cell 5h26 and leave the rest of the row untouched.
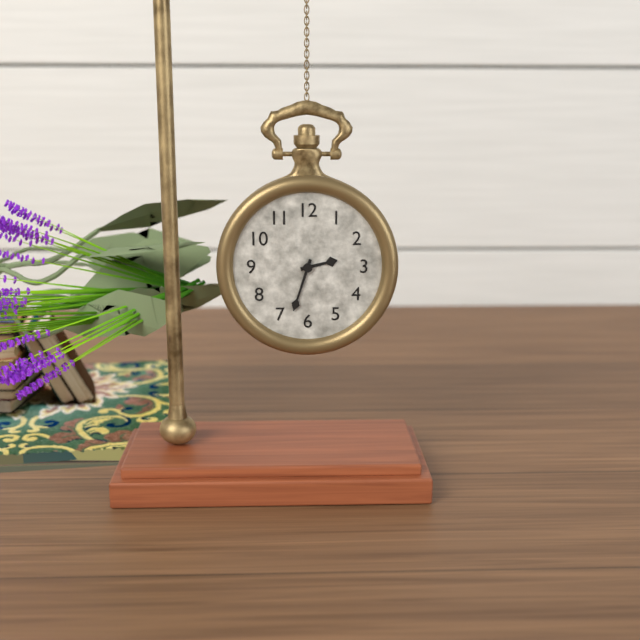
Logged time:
2h33
